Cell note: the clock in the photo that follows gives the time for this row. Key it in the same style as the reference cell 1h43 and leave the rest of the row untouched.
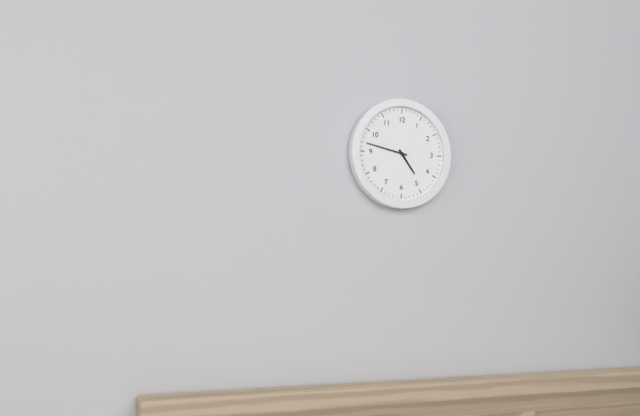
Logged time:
4h47
